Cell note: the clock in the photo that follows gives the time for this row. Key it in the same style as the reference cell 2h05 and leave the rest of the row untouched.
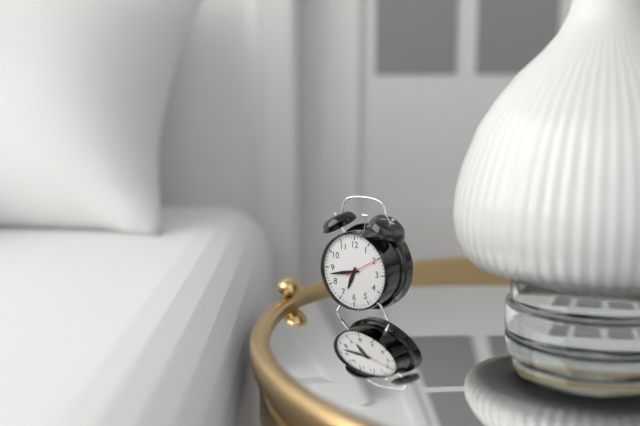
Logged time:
6h43
